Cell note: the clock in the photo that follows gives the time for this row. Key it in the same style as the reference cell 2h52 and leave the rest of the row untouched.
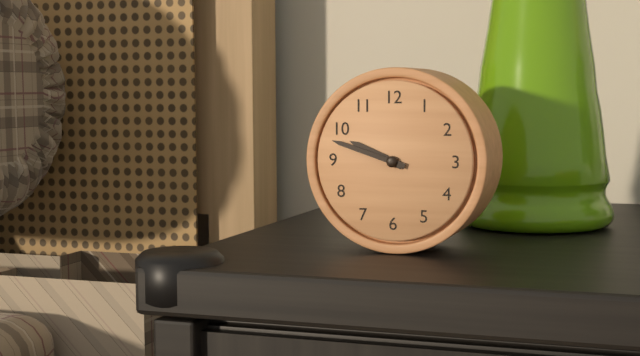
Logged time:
9h48
